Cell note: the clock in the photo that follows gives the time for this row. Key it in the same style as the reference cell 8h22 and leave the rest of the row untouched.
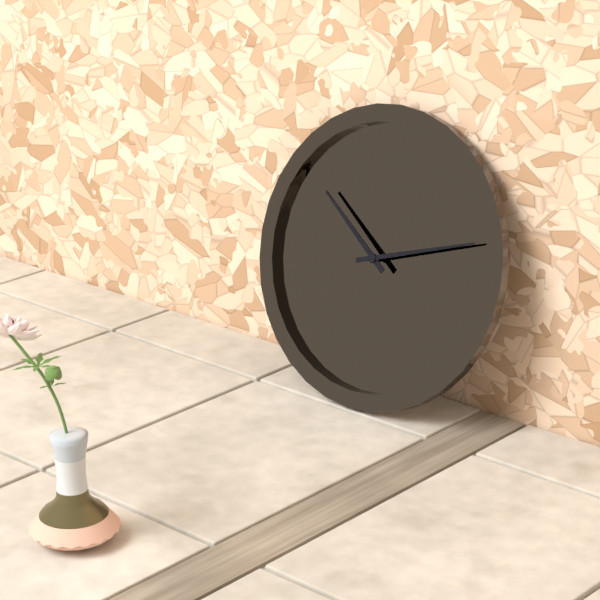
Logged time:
10h12
